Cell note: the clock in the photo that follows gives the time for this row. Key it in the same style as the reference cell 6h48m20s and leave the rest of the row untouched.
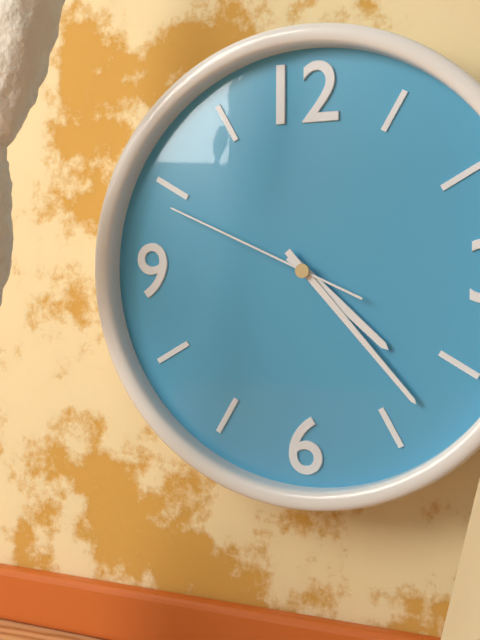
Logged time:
4h23m49s
